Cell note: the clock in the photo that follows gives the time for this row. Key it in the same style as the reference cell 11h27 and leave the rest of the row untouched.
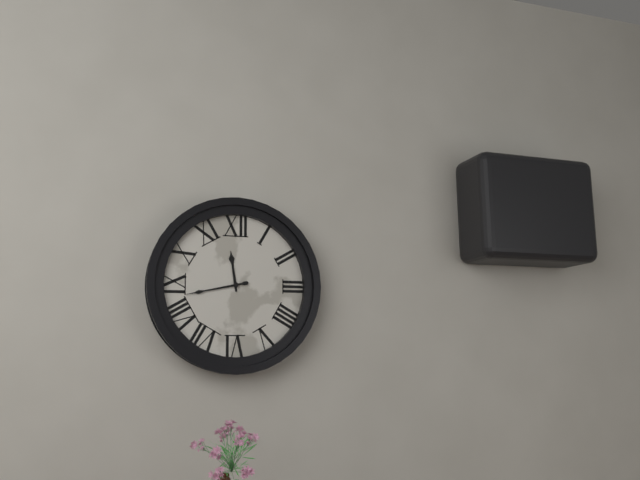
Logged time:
11h43
